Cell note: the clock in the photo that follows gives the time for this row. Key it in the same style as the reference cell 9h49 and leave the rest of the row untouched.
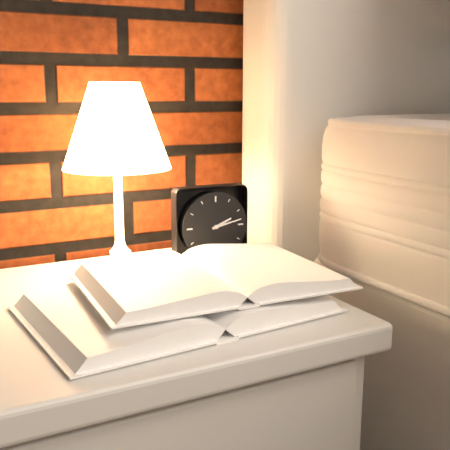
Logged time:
2h13
